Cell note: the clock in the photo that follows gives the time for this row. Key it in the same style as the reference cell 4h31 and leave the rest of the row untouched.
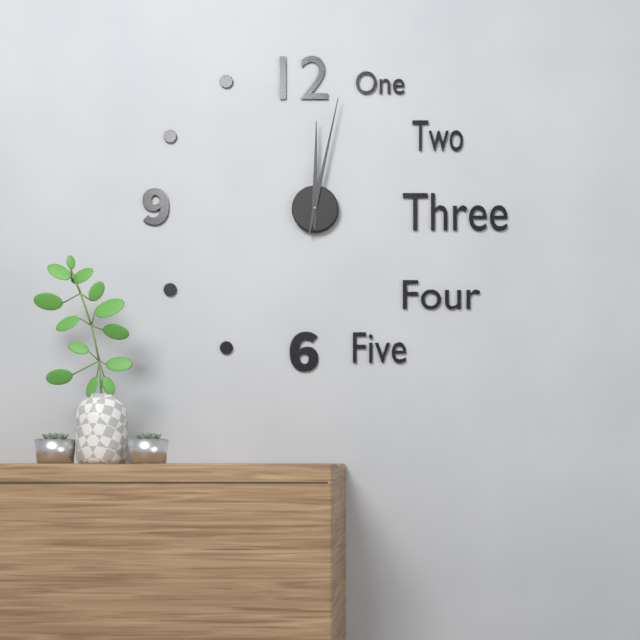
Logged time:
12h02
